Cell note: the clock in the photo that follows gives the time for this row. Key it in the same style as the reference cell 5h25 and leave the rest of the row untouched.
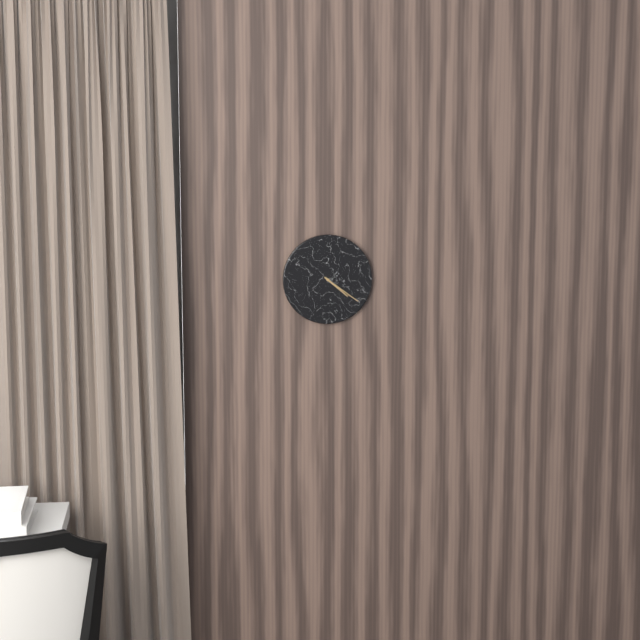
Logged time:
4h21
